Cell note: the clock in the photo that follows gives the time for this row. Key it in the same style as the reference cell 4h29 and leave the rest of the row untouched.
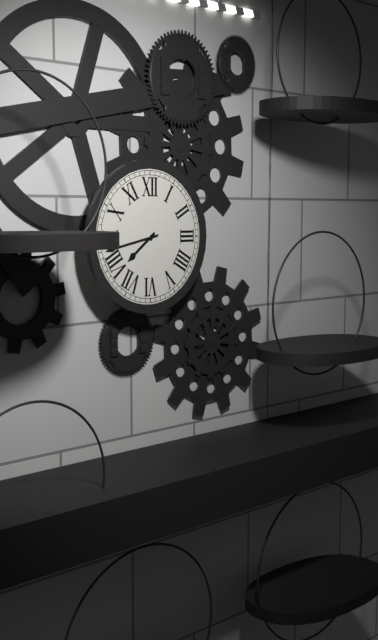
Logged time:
7h43
